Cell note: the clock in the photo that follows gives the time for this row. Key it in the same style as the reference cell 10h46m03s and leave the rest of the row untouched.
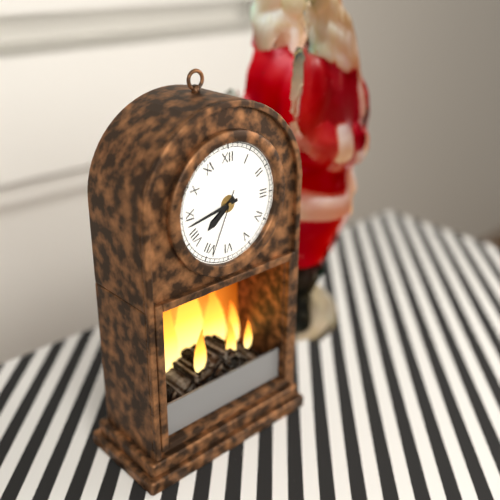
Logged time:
7h43m34s
